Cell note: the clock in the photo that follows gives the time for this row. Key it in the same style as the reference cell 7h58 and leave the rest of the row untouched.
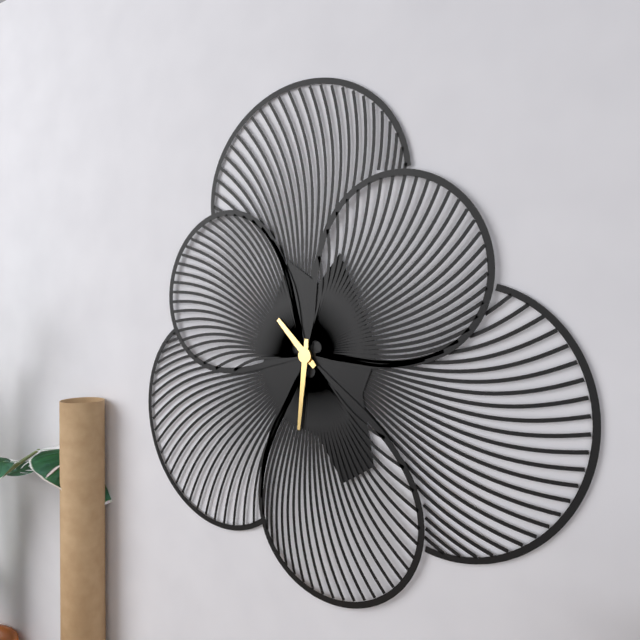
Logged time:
10h31
